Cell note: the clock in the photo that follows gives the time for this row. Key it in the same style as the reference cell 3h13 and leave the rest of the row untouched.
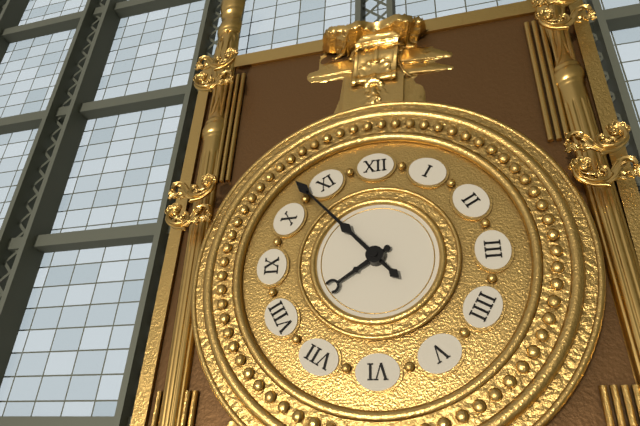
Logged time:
7h53
